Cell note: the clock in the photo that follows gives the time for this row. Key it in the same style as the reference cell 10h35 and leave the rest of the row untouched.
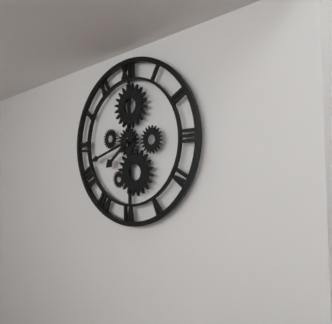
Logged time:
7h42
